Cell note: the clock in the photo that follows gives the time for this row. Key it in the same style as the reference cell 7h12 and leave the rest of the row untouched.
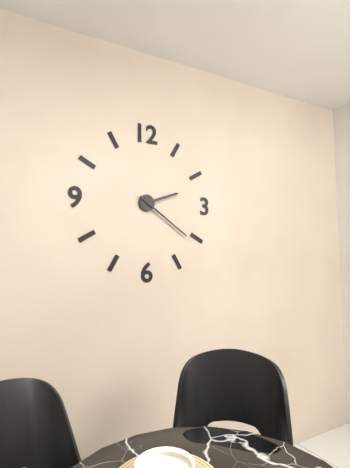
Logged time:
2h21
